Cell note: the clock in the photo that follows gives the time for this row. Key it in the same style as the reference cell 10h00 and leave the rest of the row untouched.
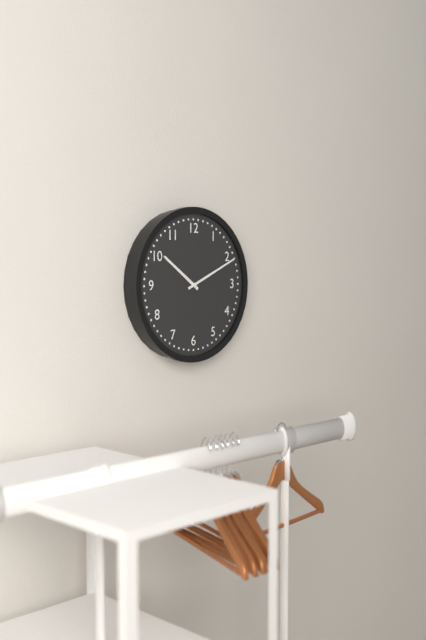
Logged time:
10h11
